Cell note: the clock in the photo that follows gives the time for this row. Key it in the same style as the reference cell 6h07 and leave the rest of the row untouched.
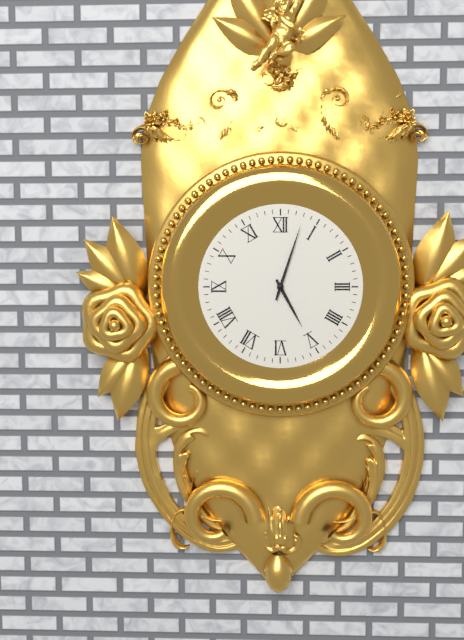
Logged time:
5h03
